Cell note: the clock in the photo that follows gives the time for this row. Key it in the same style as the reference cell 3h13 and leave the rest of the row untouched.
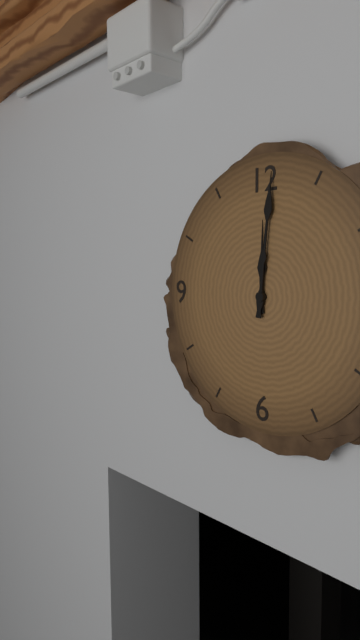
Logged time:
12h01
